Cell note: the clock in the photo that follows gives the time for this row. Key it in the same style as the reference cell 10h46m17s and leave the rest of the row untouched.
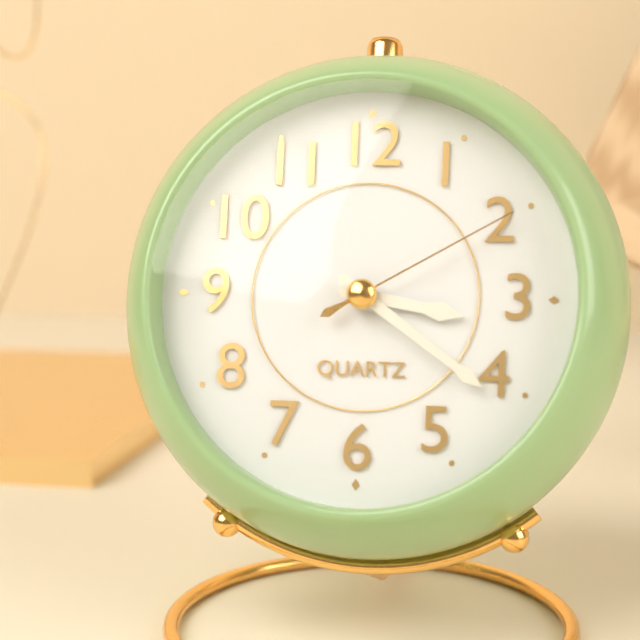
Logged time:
3h21m10s
